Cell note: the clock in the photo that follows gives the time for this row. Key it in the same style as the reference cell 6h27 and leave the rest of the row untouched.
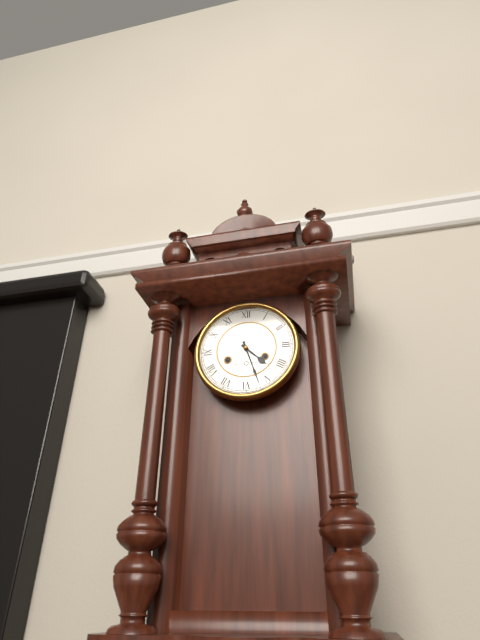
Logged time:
4h27
